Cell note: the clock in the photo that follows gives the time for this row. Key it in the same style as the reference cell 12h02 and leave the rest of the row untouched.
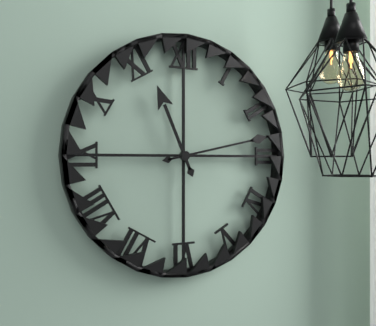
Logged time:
11h13
